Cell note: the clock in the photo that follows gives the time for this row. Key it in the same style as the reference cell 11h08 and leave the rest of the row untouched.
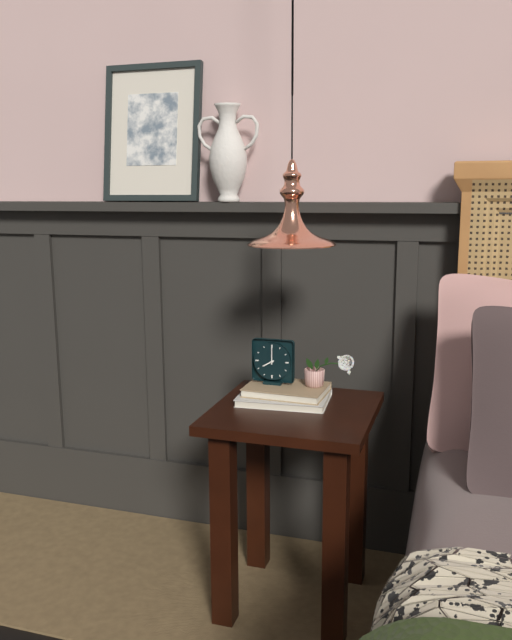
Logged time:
8h00
